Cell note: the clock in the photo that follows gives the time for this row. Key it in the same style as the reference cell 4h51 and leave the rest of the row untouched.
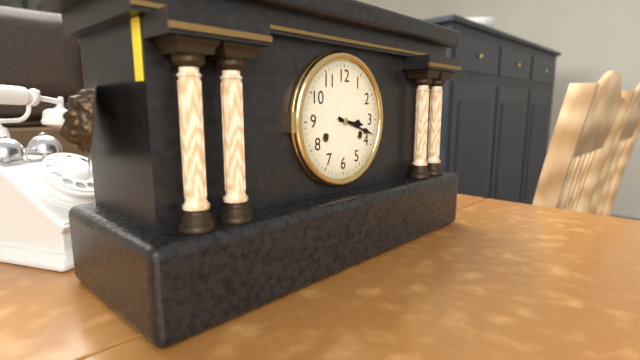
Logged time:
3h18
